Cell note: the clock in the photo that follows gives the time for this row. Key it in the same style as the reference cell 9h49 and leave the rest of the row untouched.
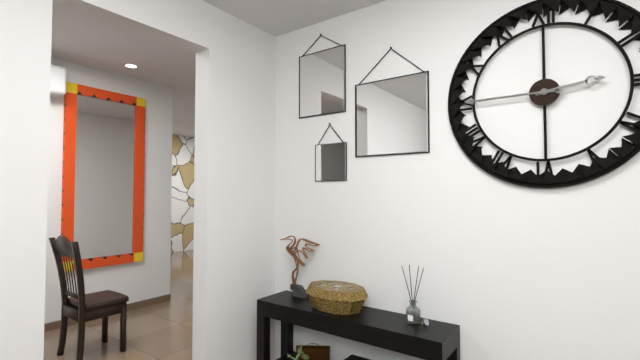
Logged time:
2h45
